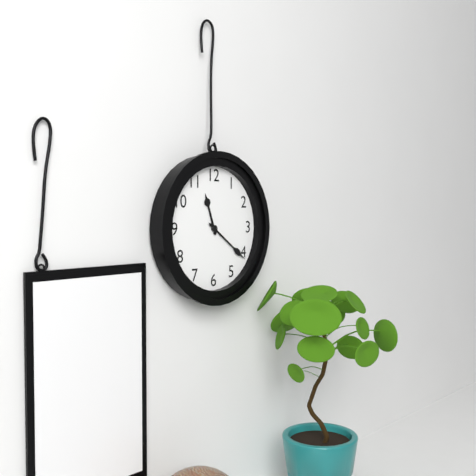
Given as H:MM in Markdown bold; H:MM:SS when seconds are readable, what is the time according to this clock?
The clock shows **11:21**
